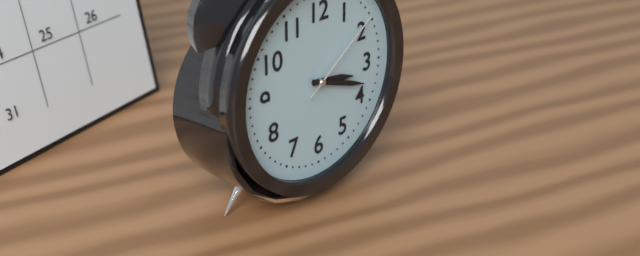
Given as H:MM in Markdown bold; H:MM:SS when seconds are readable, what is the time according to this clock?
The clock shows **3:18:09**
